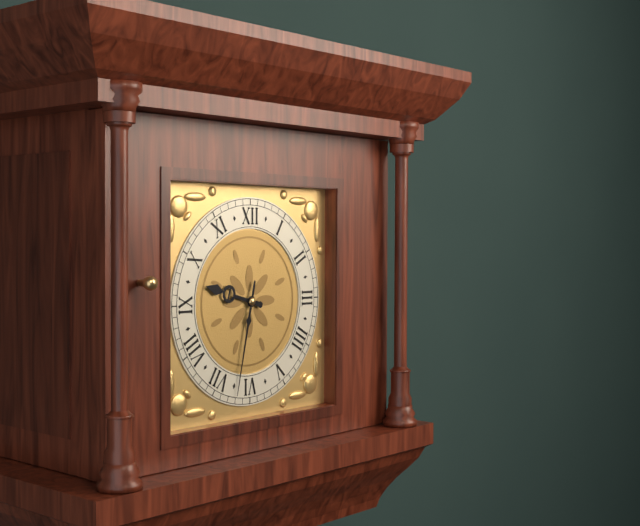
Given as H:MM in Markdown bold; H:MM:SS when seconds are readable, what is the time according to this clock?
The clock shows **9:32**
